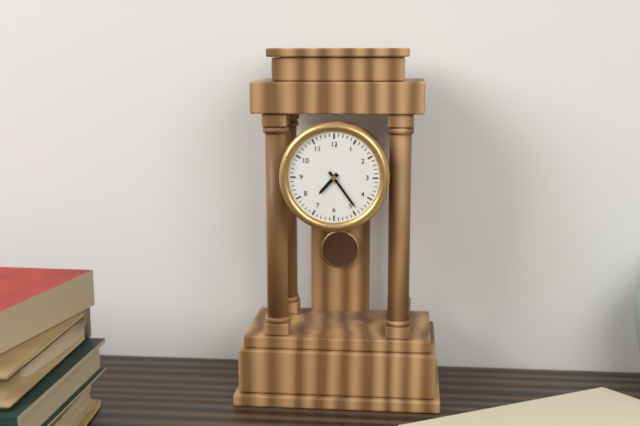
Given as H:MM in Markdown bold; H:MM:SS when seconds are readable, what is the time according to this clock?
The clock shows **7:24**
